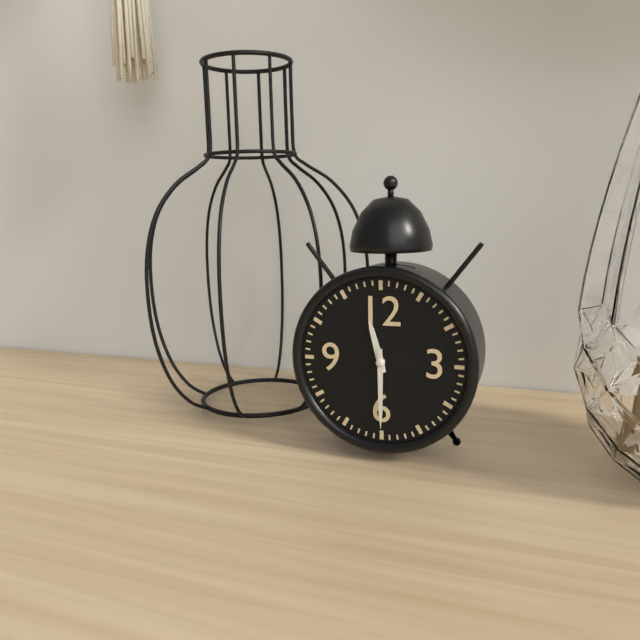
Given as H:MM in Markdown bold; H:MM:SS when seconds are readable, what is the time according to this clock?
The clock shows **11:30**
